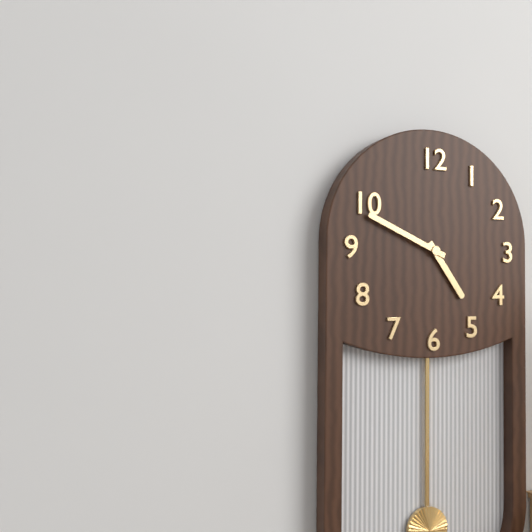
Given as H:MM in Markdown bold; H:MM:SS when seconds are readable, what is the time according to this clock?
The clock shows **4:49**
